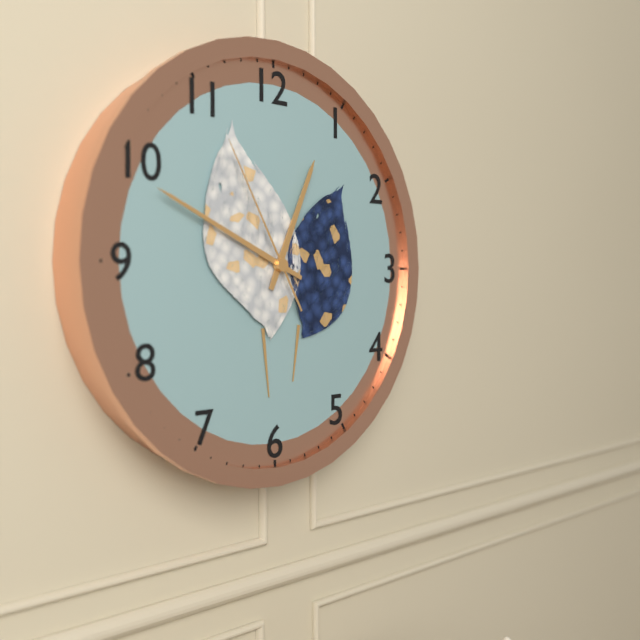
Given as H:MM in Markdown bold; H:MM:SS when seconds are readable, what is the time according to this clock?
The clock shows **12:49:55**
